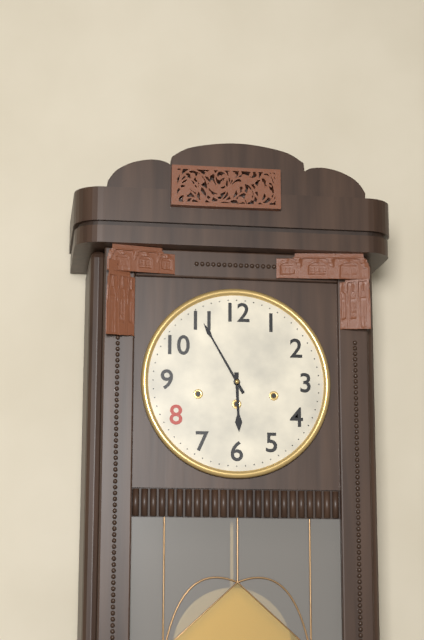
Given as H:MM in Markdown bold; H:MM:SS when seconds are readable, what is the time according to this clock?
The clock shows **5:55**
